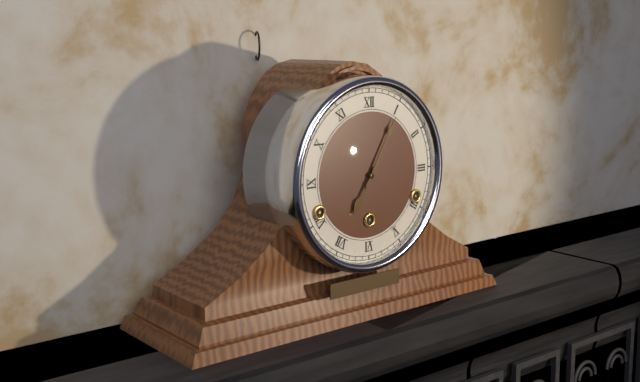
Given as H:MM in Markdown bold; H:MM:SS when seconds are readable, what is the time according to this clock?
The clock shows **7:05**
